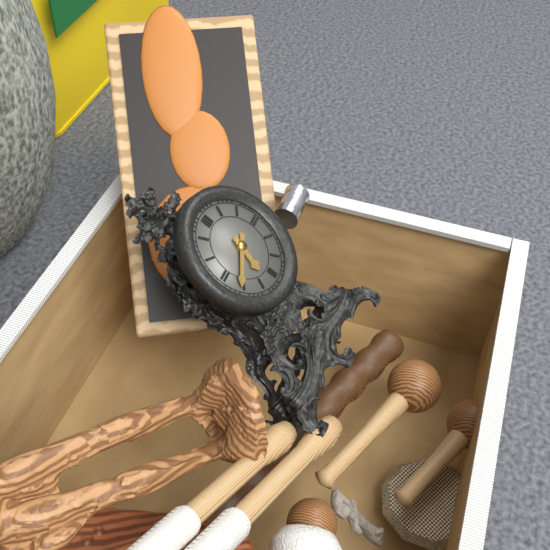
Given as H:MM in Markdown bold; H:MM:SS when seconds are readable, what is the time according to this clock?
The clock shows **6:41**
